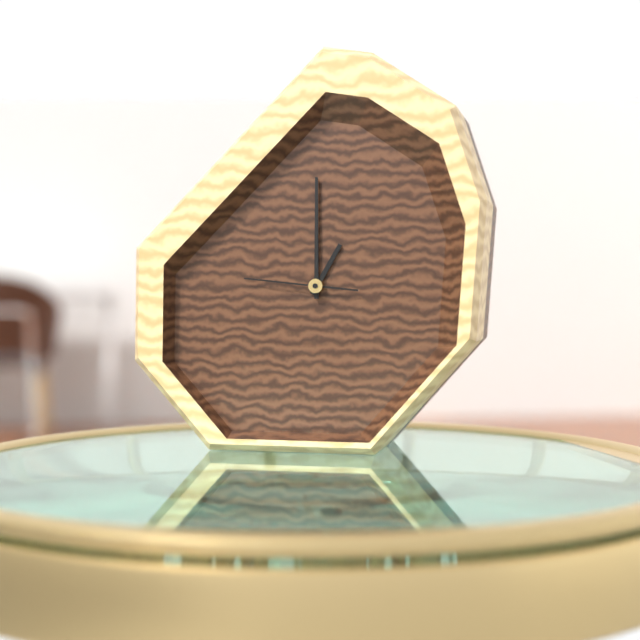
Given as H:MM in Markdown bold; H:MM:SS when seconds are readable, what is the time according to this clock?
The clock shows **1:00:46**
